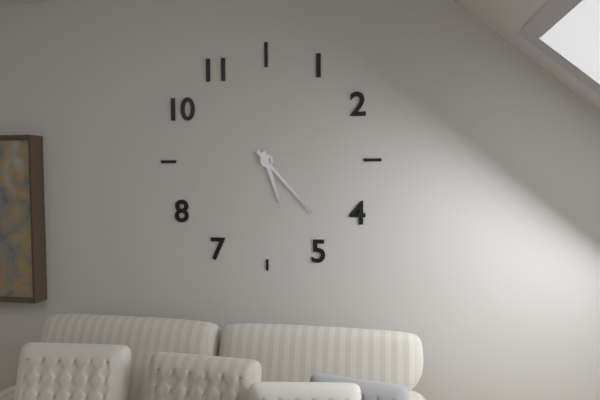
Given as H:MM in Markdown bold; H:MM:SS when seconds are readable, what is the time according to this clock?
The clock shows **5:23**
